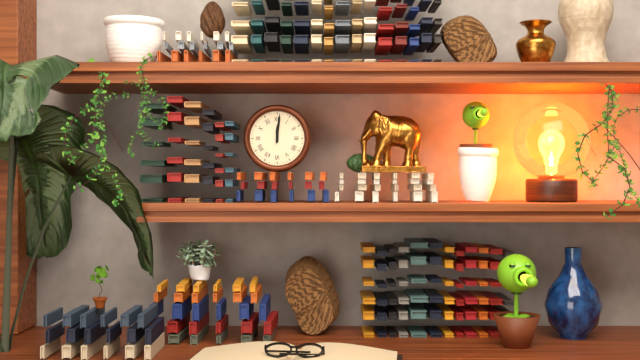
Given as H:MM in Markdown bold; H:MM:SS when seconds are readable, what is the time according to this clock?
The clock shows **12:01**
